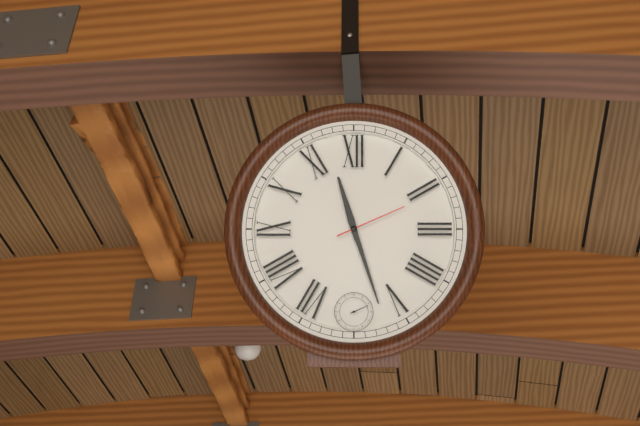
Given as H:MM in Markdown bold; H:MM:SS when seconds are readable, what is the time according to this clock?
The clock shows **11:27:11**
